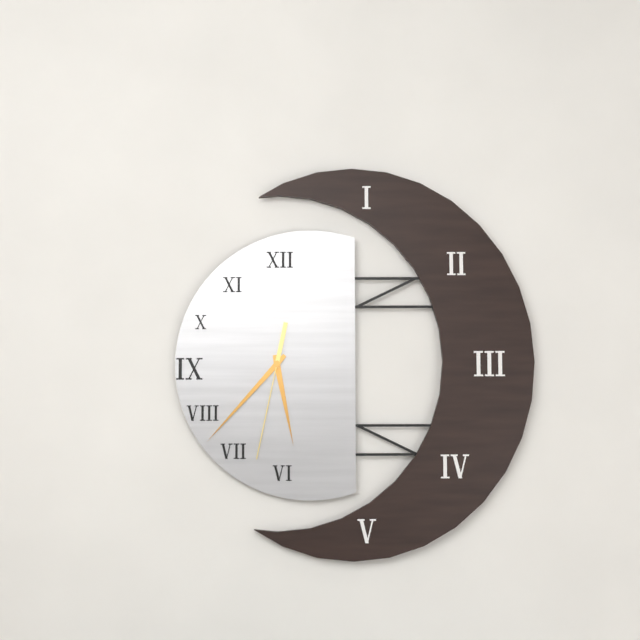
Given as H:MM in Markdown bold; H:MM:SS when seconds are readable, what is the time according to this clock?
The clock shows **5:37:32**
